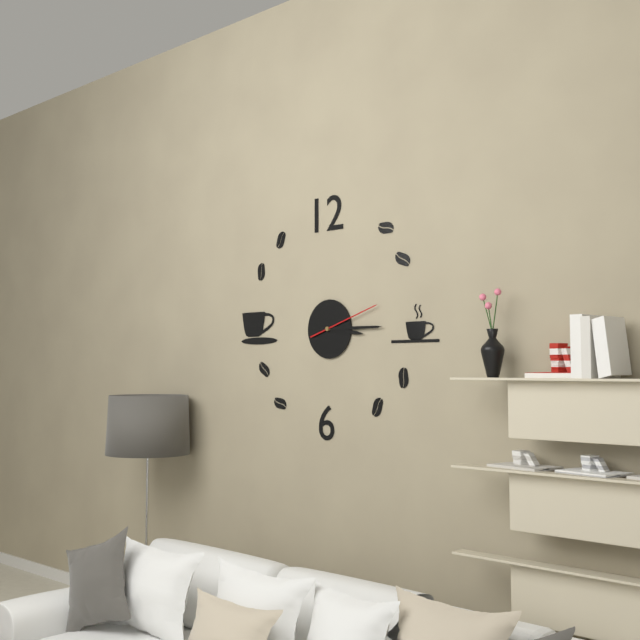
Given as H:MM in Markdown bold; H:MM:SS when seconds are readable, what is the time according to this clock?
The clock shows **3:15:12**
